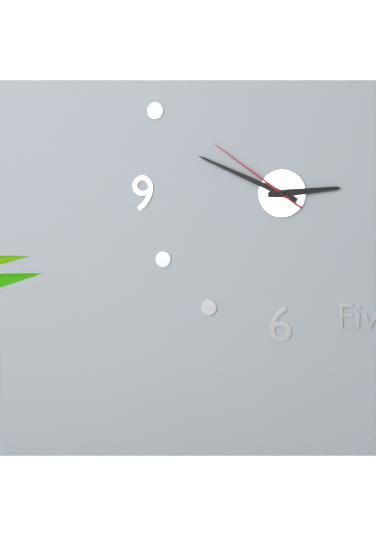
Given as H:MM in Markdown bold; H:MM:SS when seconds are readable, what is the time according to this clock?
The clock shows **2:49:51**
